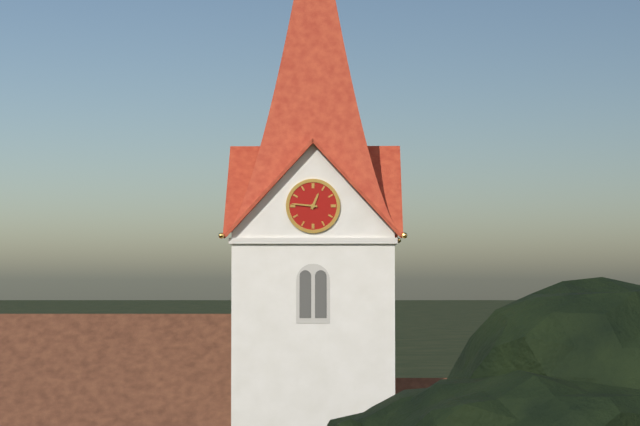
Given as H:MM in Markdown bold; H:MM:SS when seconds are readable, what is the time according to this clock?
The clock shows **12:46**
